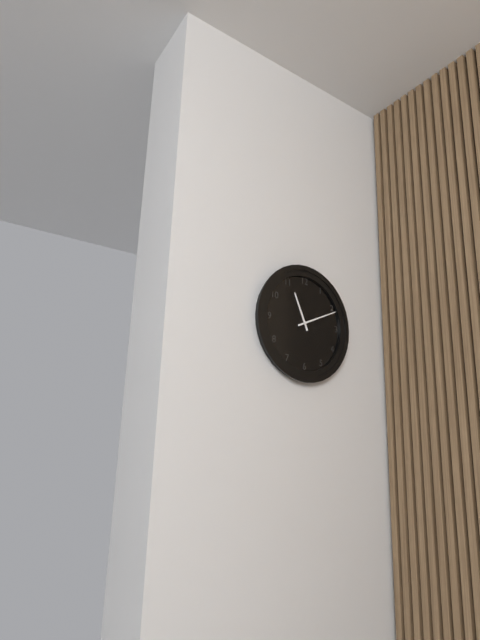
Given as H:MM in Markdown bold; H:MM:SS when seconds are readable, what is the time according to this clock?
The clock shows **11:11**
